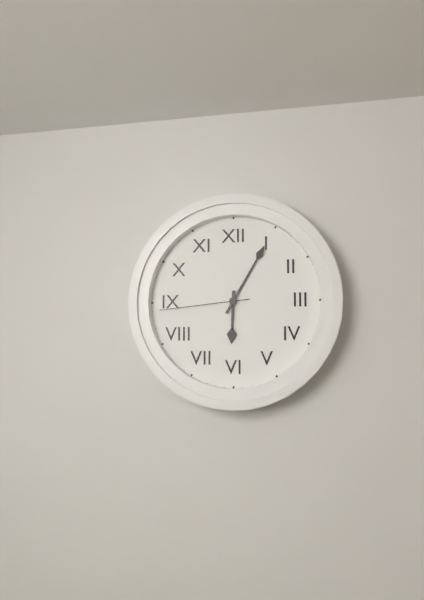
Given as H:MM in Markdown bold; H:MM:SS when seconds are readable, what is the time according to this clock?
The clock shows **6:05:44**
